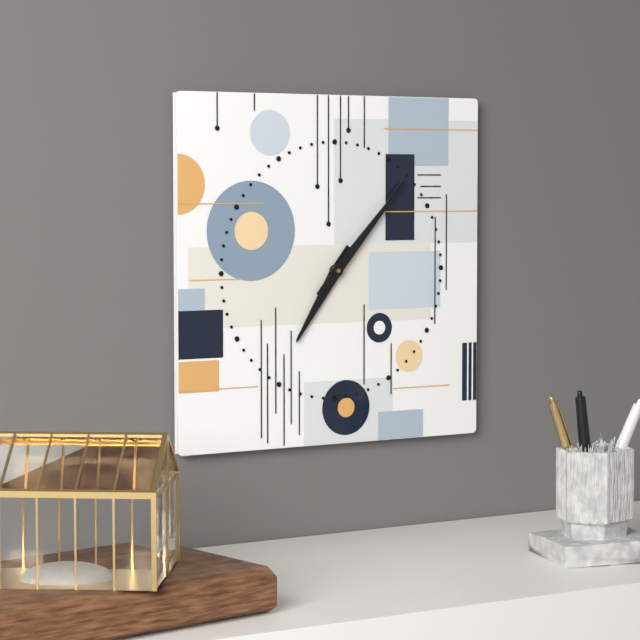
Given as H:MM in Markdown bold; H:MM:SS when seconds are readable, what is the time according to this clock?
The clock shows **7:07**
